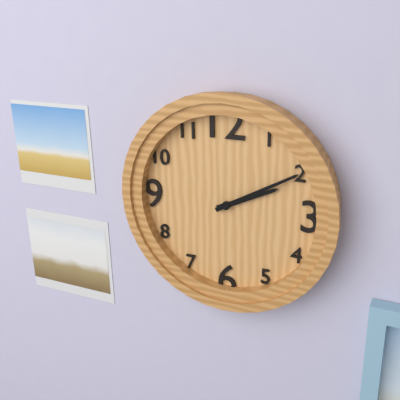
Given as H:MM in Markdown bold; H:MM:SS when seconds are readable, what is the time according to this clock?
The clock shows **2:10**
